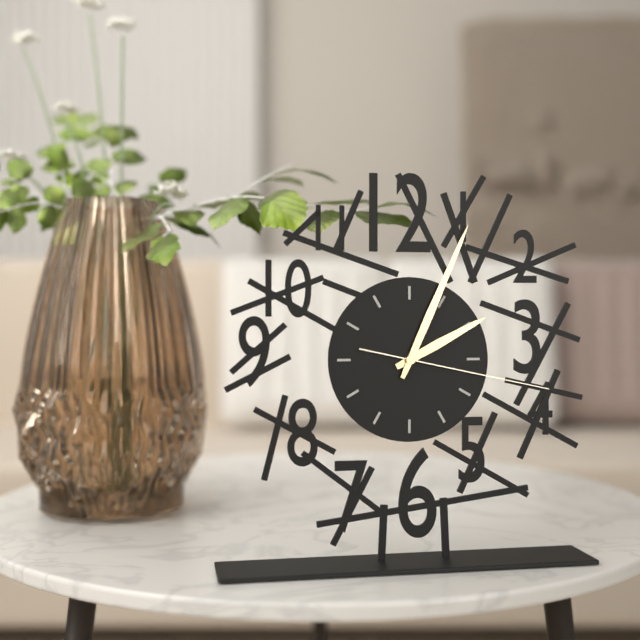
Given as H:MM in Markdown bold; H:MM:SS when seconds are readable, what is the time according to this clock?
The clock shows **2:04:17**
